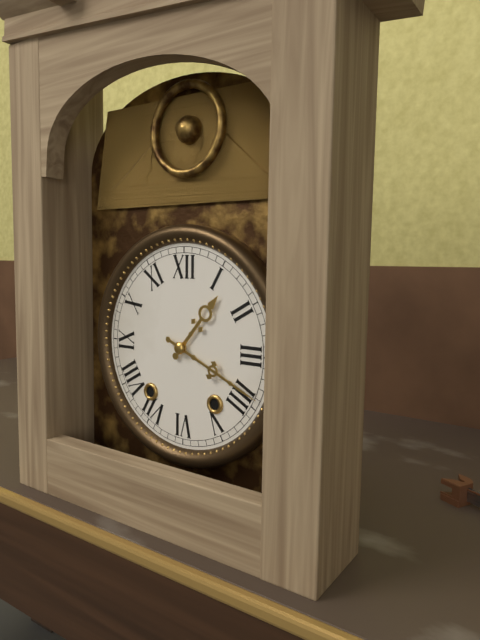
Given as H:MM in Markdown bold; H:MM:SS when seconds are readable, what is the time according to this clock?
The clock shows **1:19**
